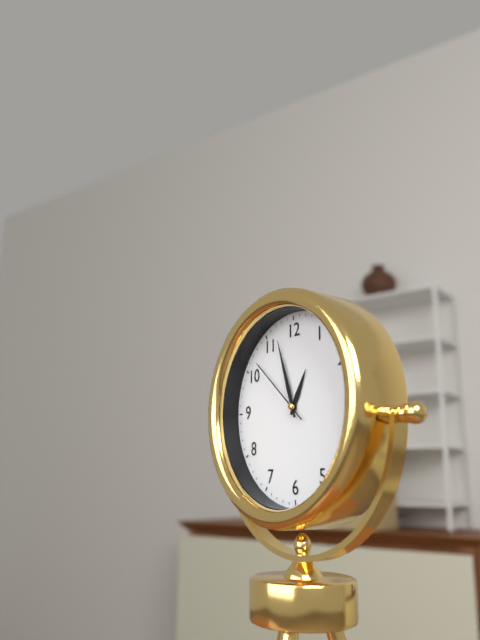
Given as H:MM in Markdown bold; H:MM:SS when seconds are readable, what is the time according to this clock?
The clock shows **12:57:52**
